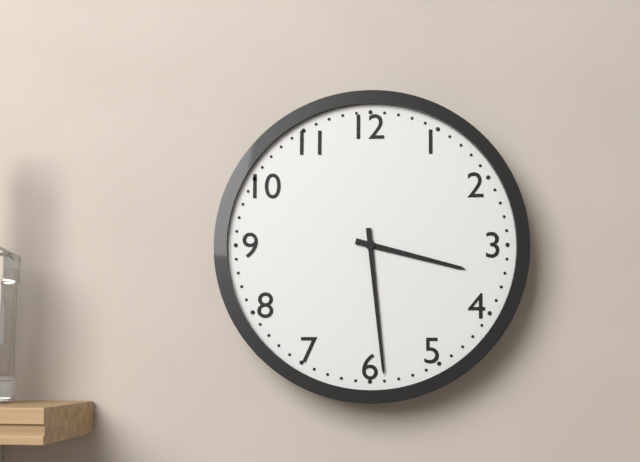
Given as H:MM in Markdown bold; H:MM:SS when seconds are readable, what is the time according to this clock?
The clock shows **3:29**
